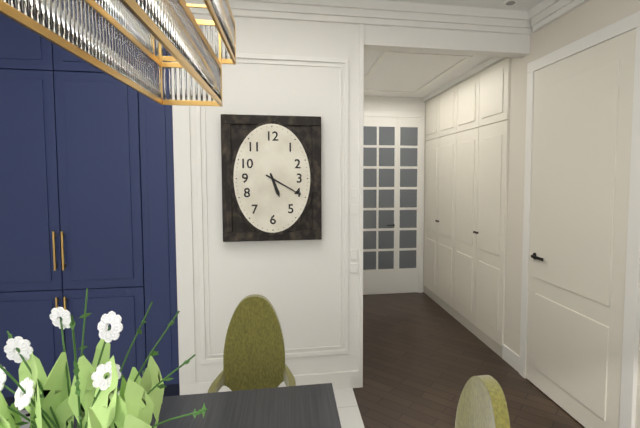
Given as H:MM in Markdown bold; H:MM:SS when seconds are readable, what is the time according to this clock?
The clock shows **5:20**
